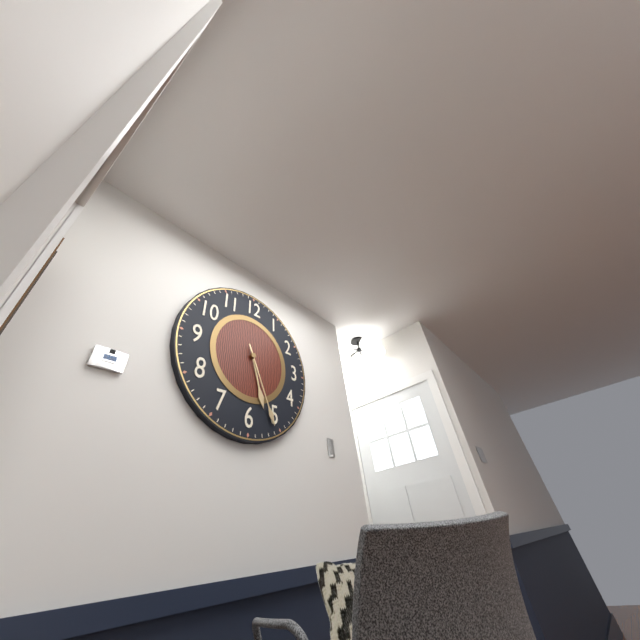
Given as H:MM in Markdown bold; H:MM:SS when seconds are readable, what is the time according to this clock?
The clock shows **5:26**
